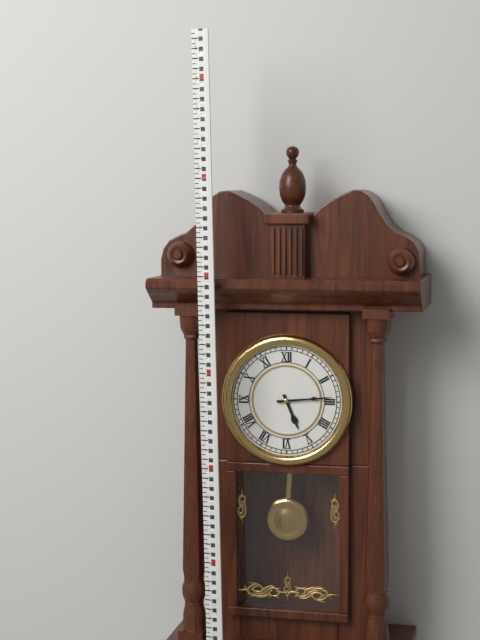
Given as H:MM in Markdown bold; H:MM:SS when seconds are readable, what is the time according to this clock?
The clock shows **5:14**
